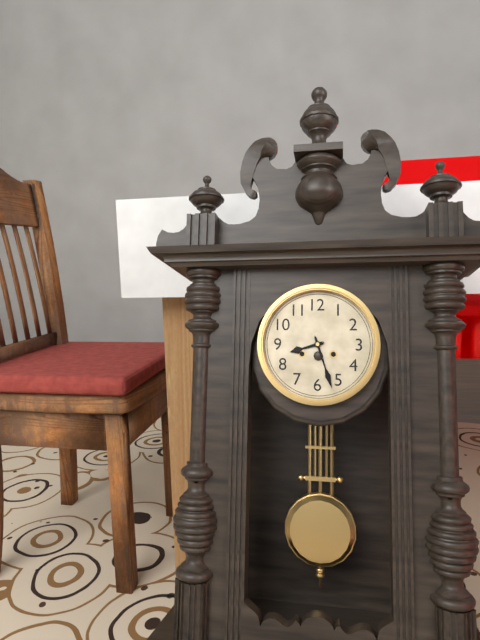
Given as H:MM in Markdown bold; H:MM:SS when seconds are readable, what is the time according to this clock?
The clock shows **8:27**
